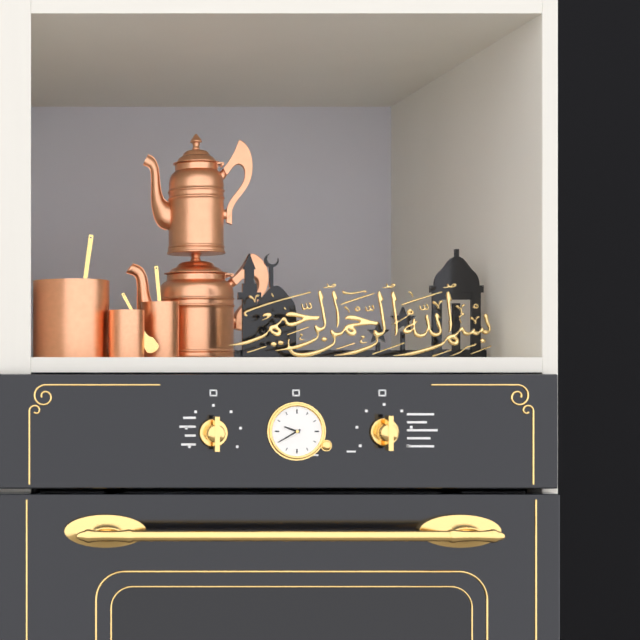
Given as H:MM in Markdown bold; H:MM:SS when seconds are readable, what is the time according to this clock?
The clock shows **9:40**
